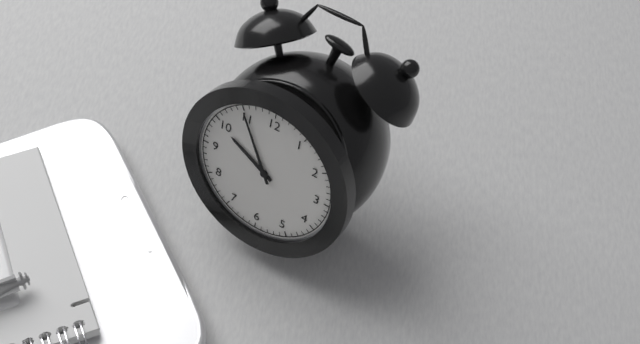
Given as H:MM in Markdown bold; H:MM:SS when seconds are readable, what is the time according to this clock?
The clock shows **9:55**
